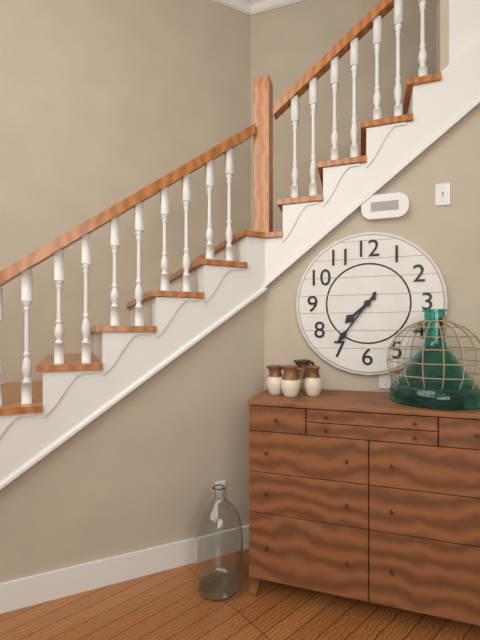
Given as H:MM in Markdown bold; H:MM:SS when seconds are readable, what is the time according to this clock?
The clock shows **7:36**
